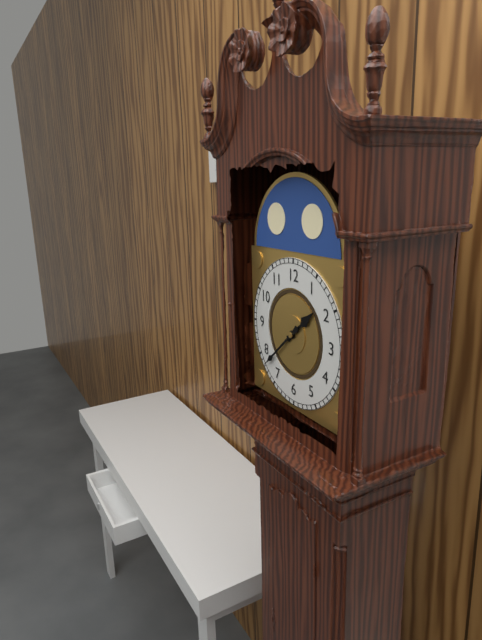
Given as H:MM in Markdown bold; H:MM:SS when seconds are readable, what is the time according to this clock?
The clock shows **1:38**
